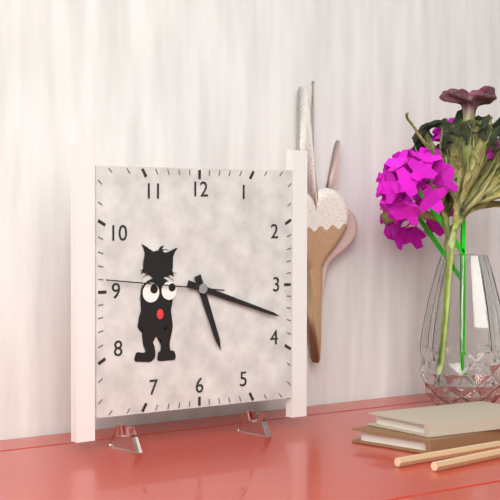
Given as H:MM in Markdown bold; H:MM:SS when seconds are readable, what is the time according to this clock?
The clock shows **5:18:46**
